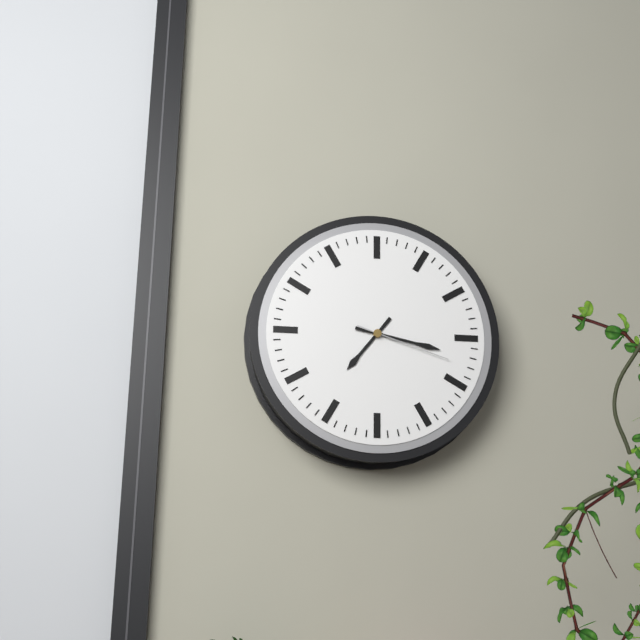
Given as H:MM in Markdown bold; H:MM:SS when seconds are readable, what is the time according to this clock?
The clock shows **7:17:18**
